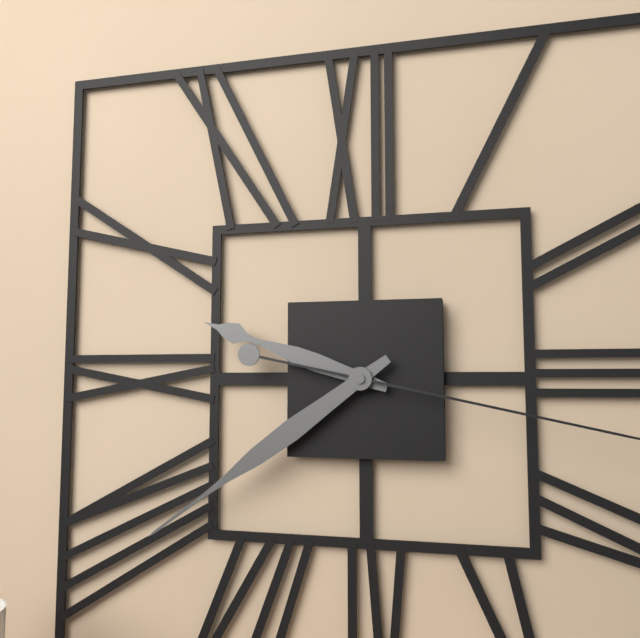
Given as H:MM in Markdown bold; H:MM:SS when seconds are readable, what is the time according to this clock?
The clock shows **9:39**
